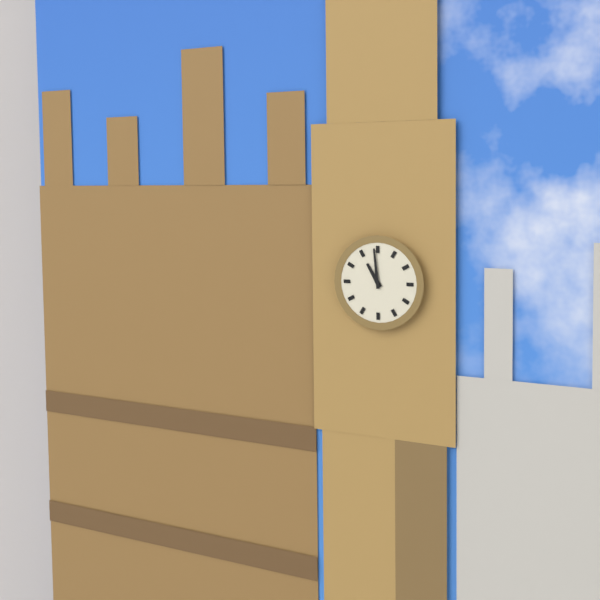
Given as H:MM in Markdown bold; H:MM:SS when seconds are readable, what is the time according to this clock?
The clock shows **10:59**
